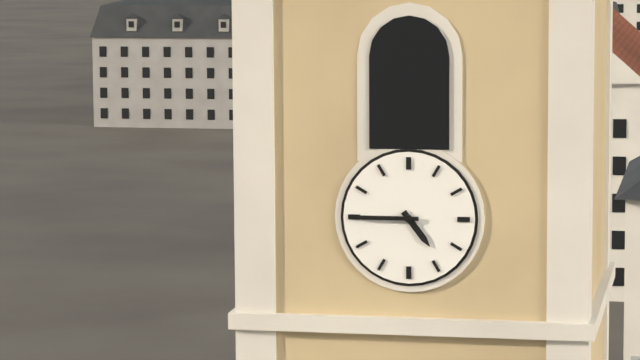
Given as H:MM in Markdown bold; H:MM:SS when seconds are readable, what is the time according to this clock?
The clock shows **4:45**
